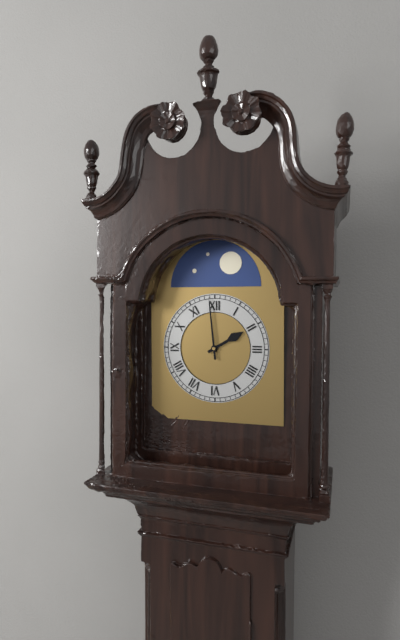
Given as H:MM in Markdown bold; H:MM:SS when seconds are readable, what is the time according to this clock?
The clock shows **1:59**
